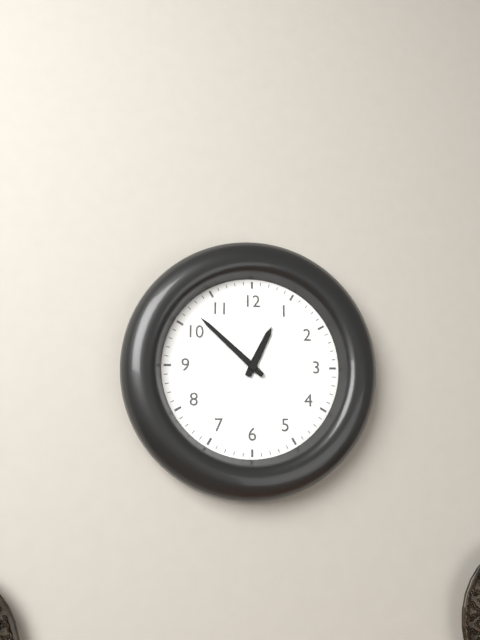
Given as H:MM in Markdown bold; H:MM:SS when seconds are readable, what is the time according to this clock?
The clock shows **12:52**
